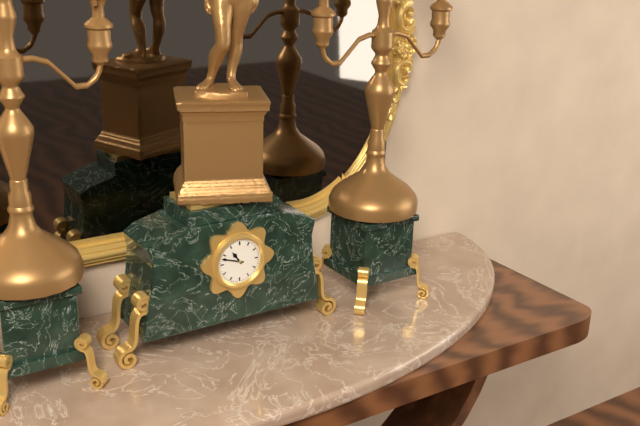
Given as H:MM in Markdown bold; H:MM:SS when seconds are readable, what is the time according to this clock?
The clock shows **10:48**
